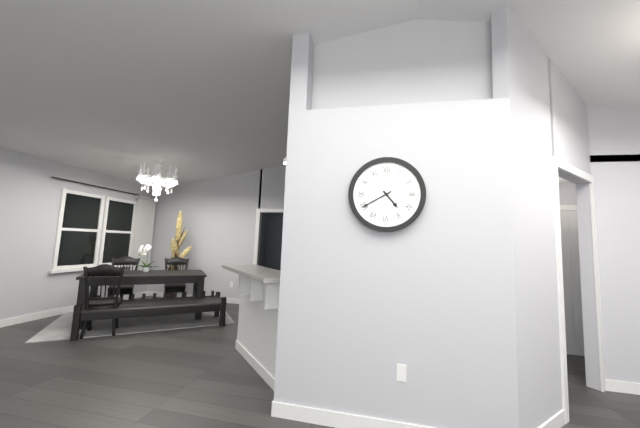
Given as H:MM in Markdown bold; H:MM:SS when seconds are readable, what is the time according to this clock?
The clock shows **4:40**
